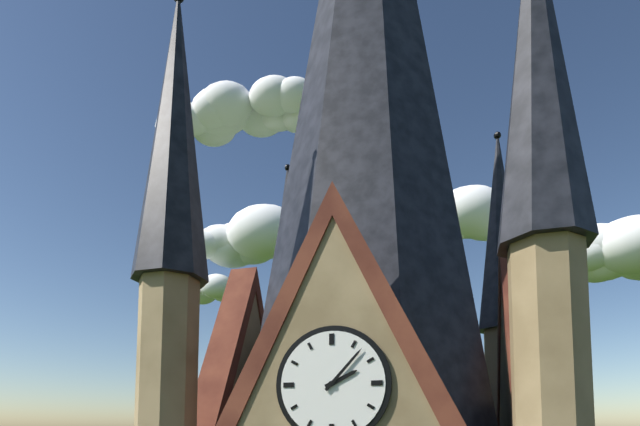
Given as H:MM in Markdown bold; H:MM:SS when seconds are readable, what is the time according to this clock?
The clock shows **2:07**
